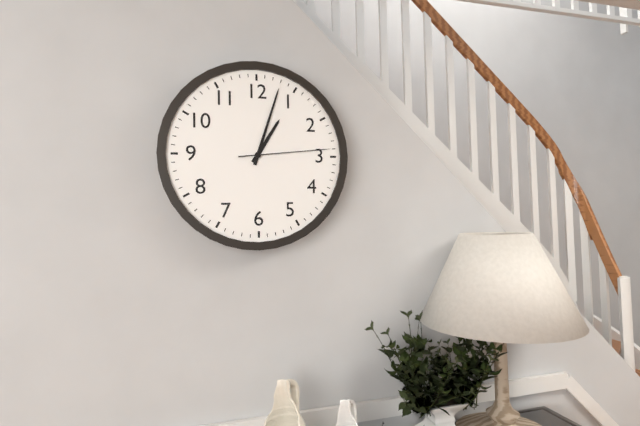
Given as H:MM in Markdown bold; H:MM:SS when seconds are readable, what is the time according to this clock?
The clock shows **1:03:14**
